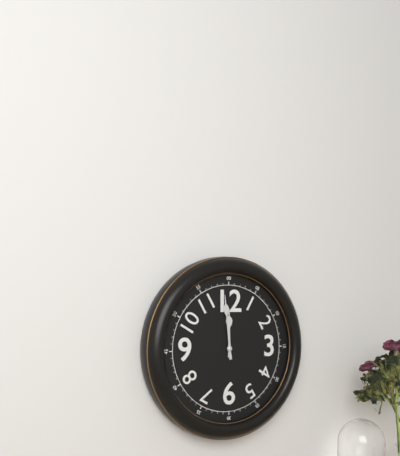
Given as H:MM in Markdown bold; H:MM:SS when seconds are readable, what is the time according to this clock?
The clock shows **11:59**
